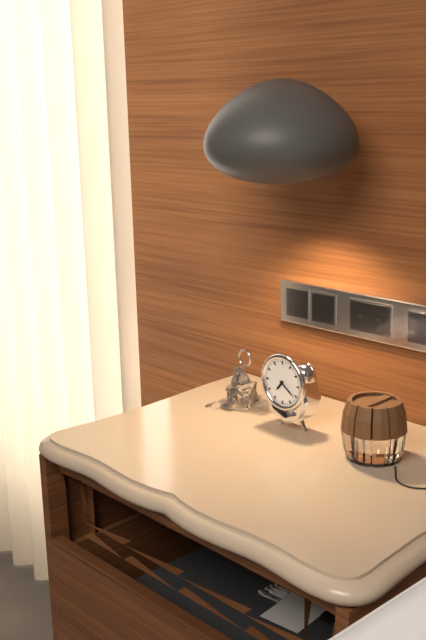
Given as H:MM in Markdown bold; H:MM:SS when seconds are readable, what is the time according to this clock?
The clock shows **7:21**
